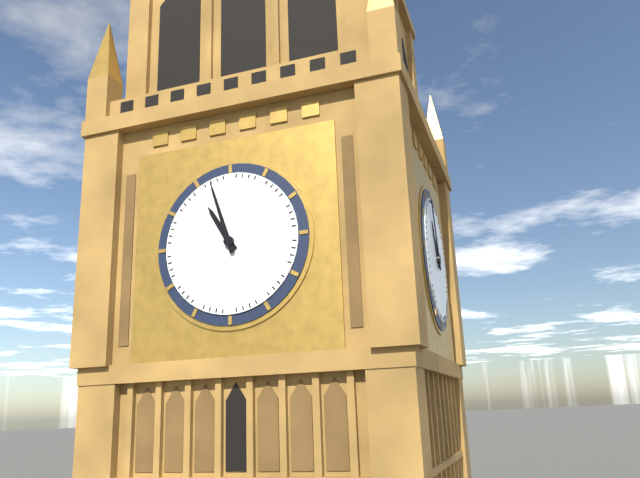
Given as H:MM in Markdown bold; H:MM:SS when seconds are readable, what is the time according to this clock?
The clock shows **10:57**
